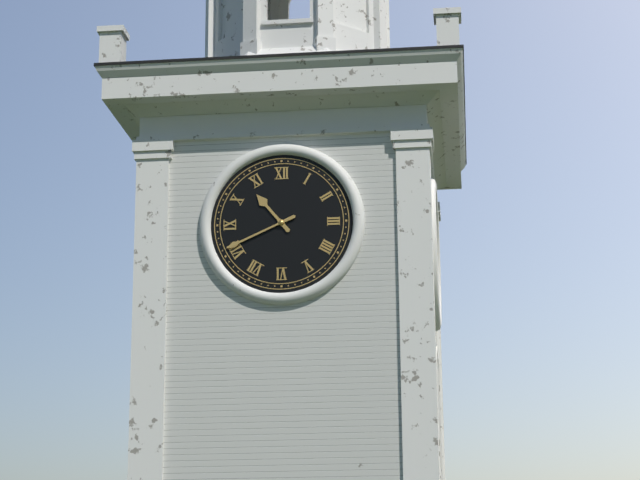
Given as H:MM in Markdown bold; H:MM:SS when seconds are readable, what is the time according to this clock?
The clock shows **10:41**
